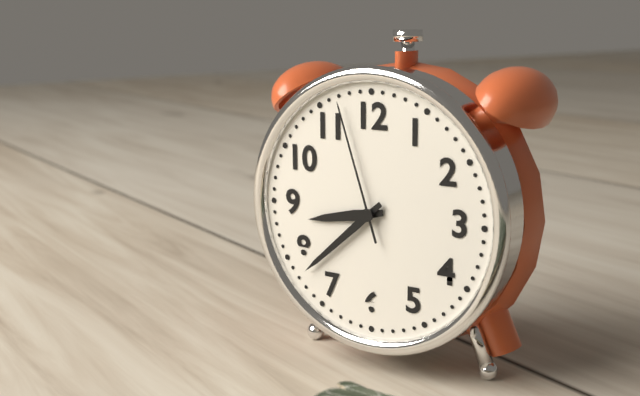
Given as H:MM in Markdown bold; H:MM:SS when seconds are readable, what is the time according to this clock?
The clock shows **8:38:57**
